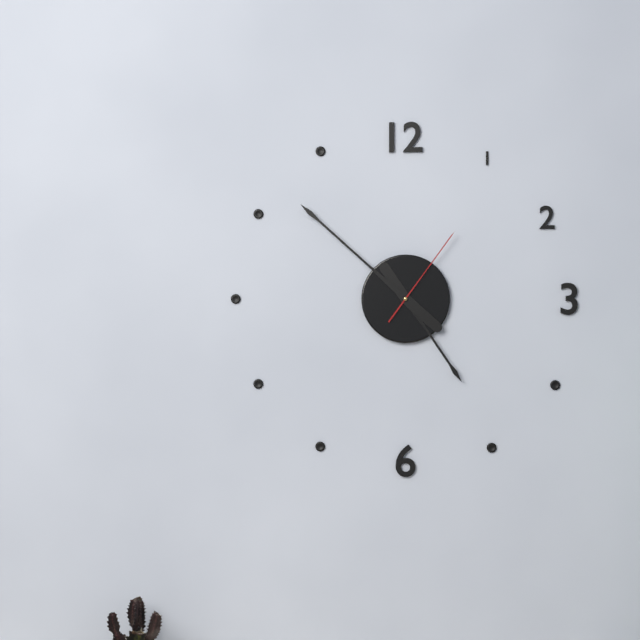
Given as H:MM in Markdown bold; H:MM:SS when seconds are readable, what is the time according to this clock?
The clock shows **4:52:06**
